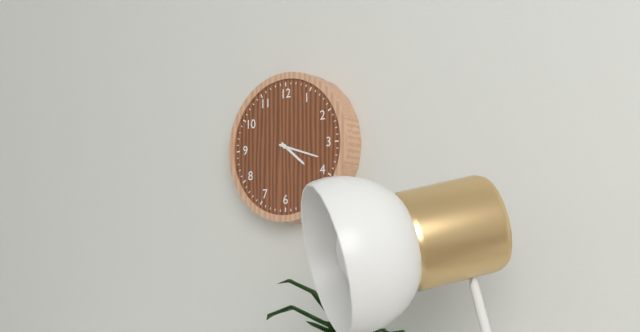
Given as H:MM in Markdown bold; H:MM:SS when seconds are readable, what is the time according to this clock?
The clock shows **4:18**
